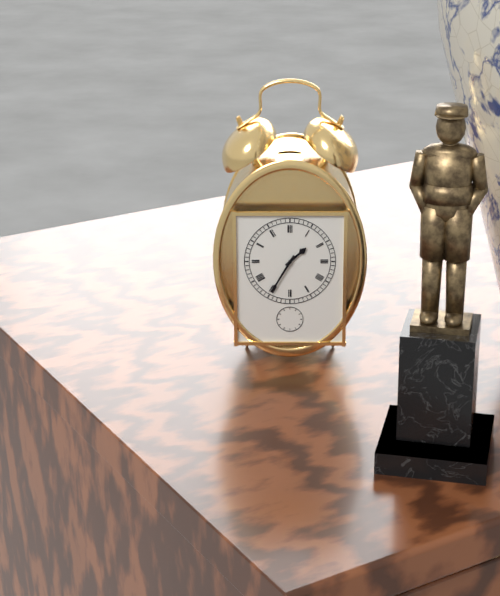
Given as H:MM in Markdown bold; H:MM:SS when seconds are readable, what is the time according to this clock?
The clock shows **1:35**
